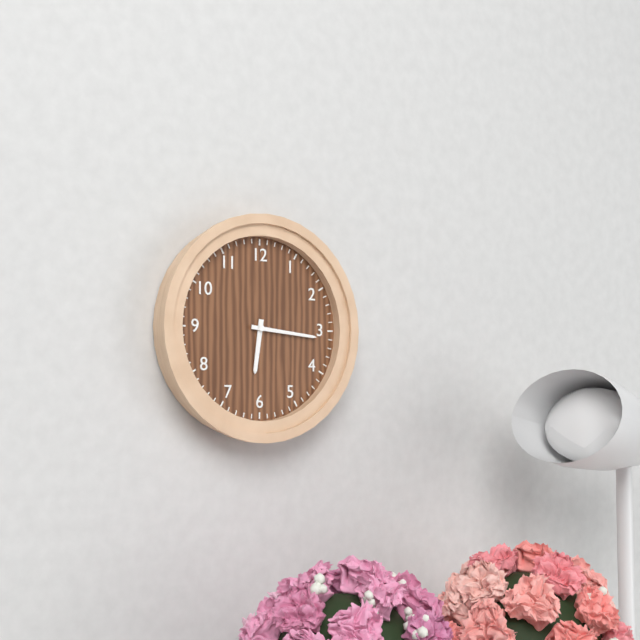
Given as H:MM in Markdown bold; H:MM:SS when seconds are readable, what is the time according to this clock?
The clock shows **6:16**
